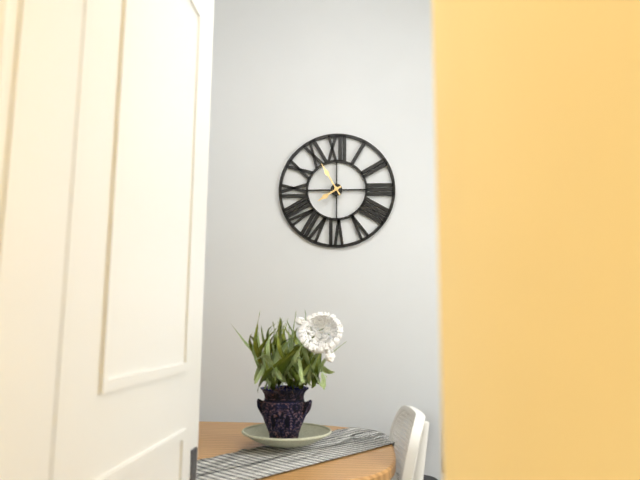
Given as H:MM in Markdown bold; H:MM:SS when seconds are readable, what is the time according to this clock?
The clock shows **7:55**
